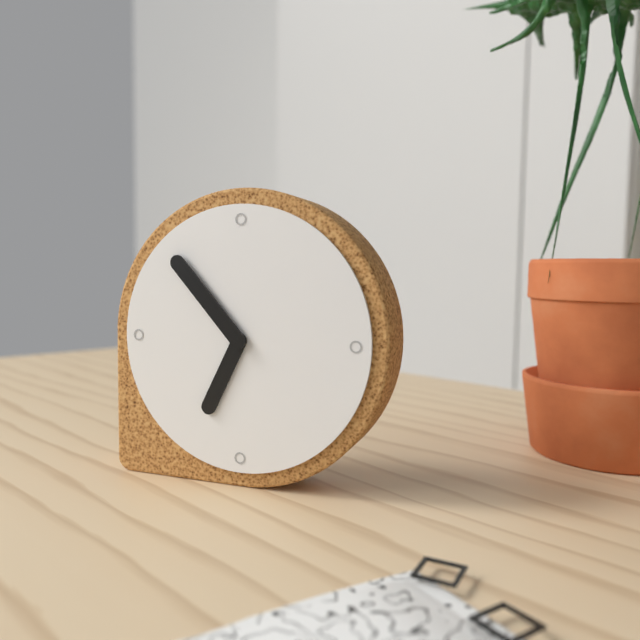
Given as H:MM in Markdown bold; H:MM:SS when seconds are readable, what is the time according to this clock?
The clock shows **6:53**
